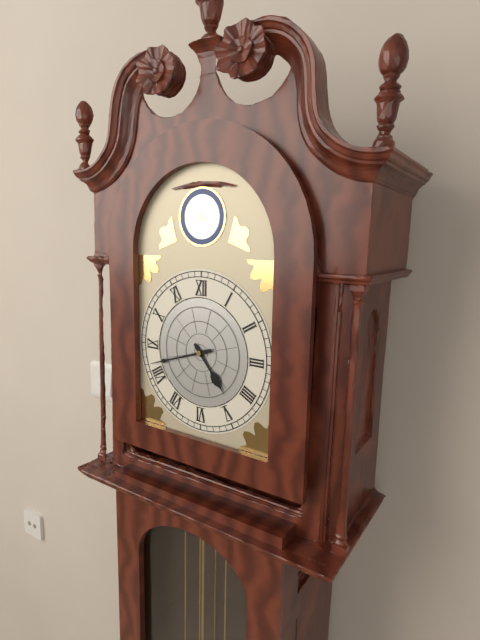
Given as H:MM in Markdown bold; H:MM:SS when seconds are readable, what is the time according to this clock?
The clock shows **4:42**
